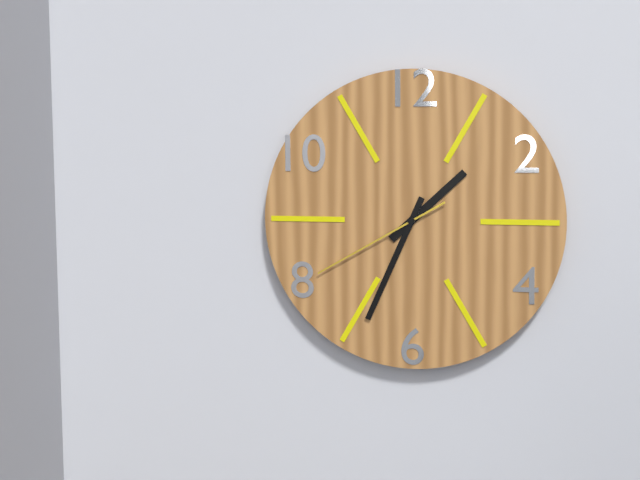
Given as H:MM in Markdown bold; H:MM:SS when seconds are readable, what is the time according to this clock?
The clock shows **1:34:40**
